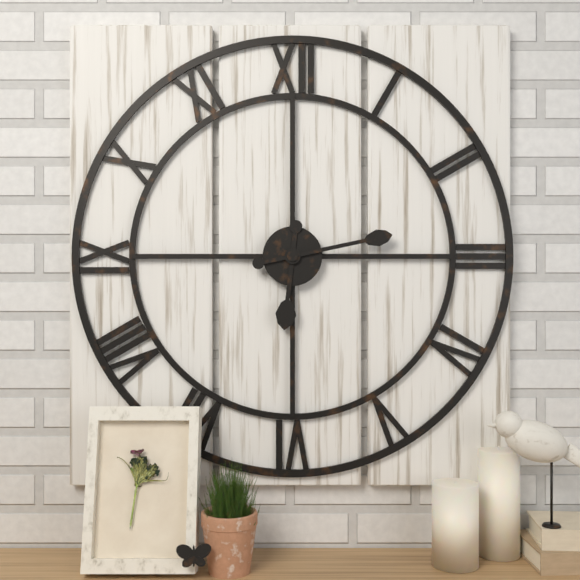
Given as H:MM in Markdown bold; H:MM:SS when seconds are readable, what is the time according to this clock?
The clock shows **6:13**
